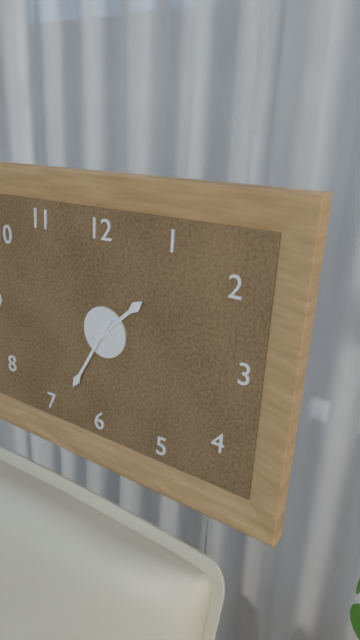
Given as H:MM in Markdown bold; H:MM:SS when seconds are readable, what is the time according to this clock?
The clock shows **1:35**
